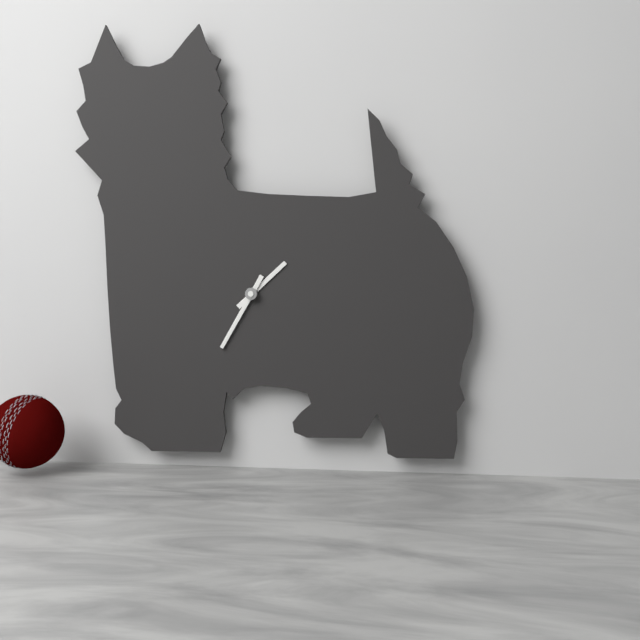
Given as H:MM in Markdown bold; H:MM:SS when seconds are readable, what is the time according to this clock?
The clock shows **1:35**
